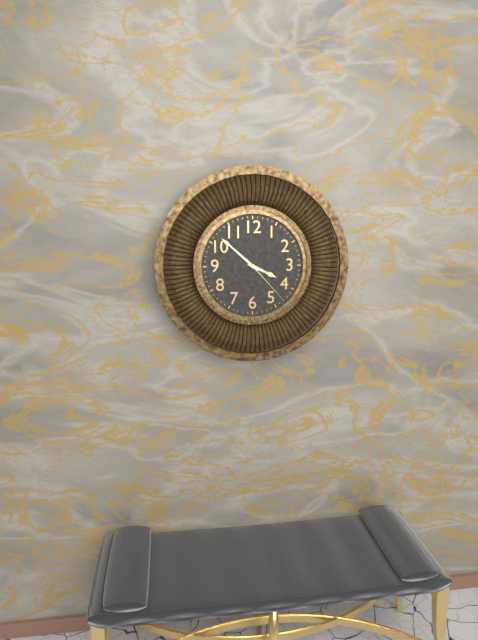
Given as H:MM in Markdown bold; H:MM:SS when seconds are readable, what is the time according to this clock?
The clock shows **3:52:23**
